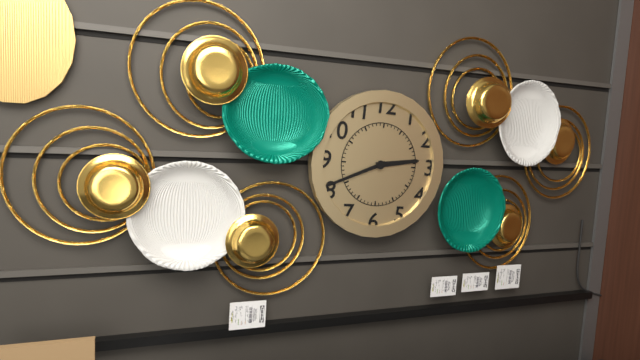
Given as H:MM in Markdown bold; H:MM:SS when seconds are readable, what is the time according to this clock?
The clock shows **2:41**
